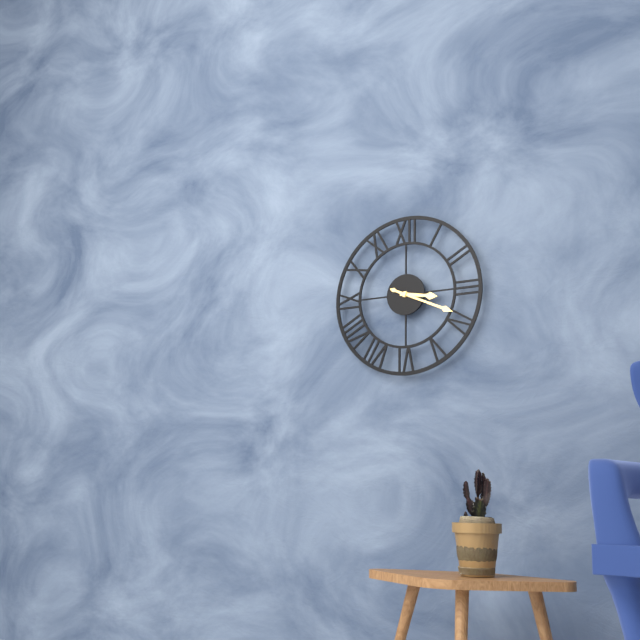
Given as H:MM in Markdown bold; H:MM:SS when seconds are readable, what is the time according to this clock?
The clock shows **3:19**
